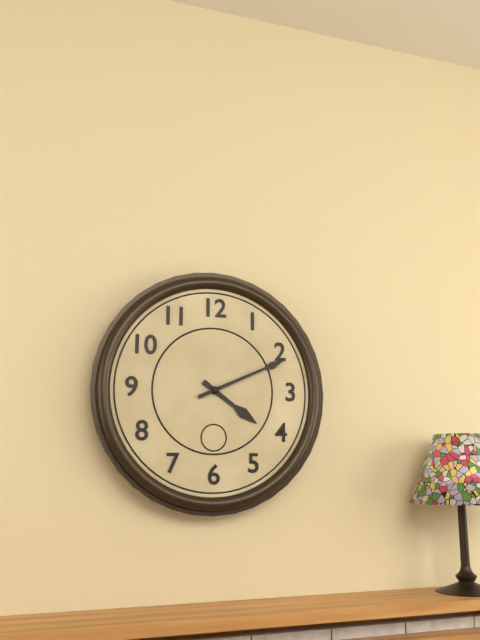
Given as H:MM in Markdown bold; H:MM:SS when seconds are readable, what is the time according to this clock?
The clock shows **4:11**
